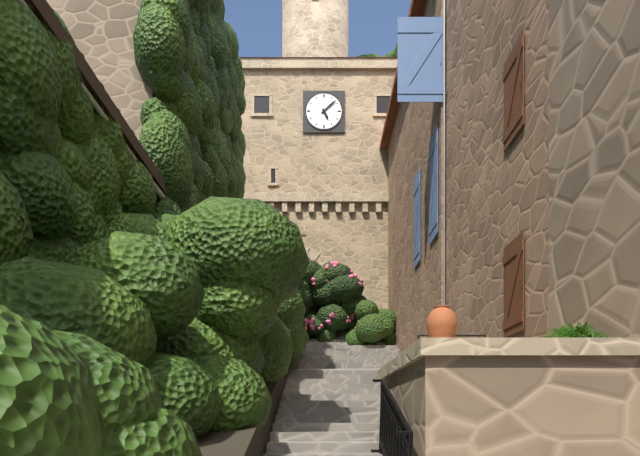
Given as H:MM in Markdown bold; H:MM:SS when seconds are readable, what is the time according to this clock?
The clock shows **5:08**
